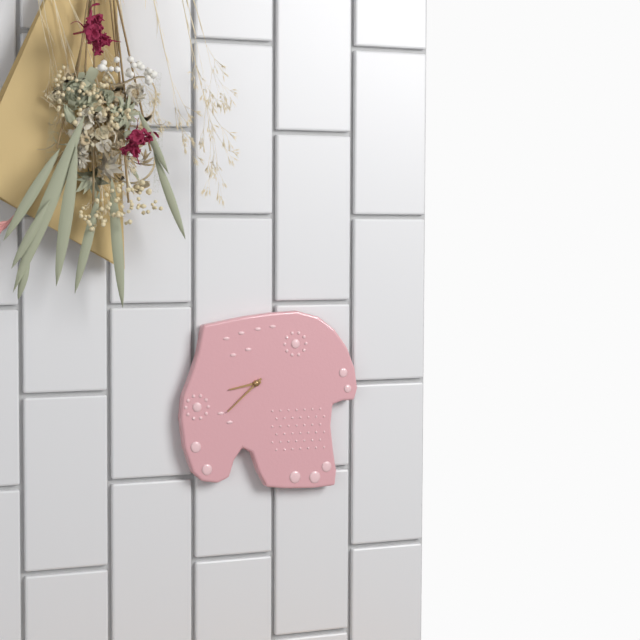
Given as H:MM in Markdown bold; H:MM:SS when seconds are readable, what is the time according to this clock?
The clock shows **8:38**
